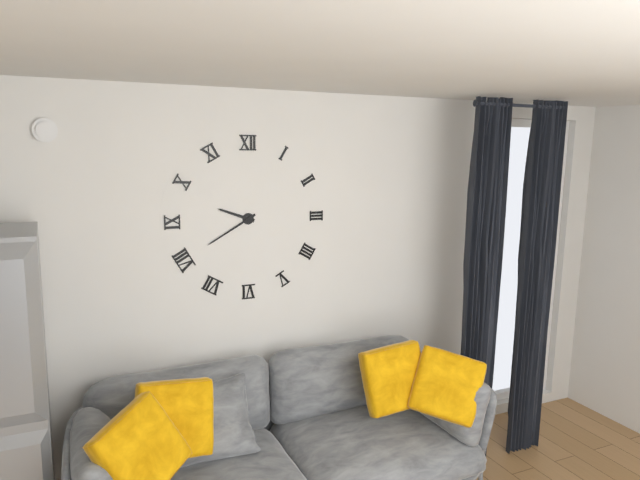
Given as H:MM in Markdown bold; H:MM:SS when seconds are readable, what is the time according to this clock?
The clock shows **9:40**
